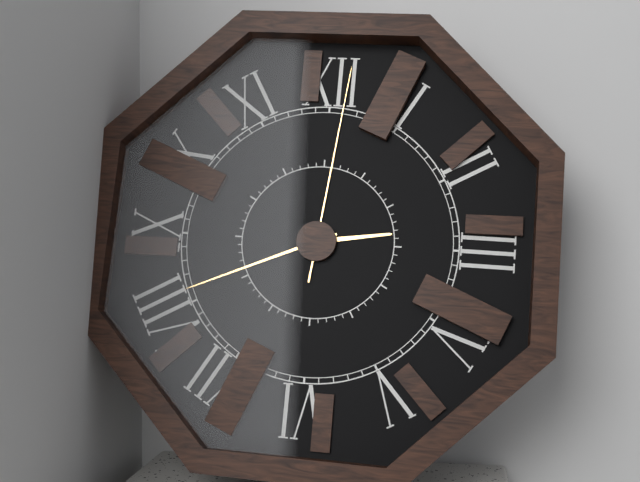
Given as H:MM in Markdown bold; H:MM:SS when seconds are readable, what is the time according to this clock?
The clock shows **2:41:01**
